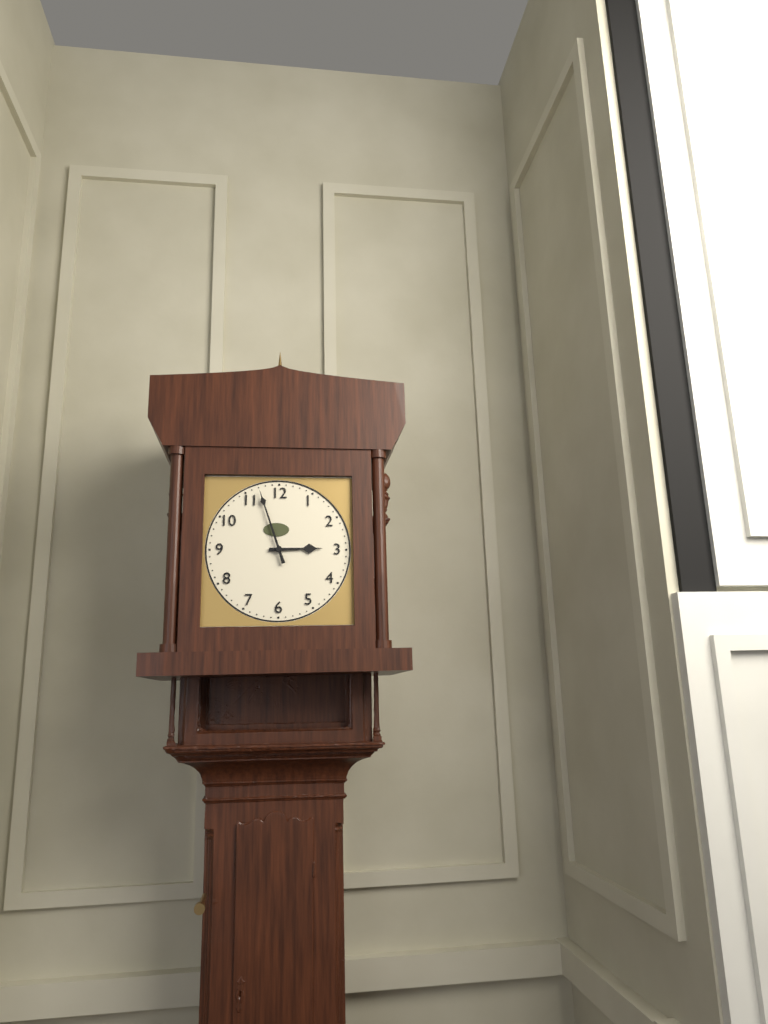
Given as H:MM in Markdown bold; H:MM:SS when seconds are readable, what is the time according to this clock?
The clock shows **2:57**
